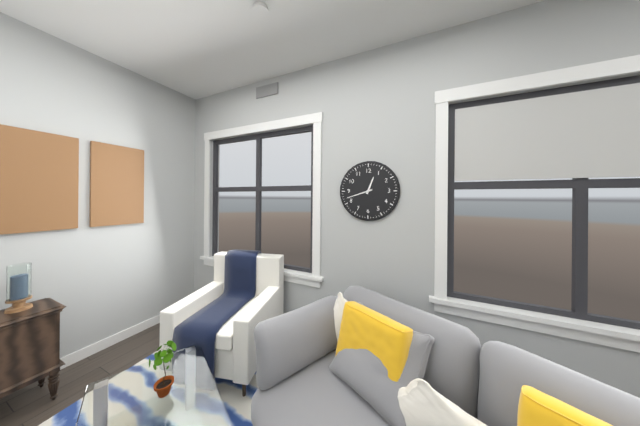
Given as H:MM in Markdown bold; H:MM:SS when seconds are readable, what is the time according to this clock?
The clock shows **12:42**
